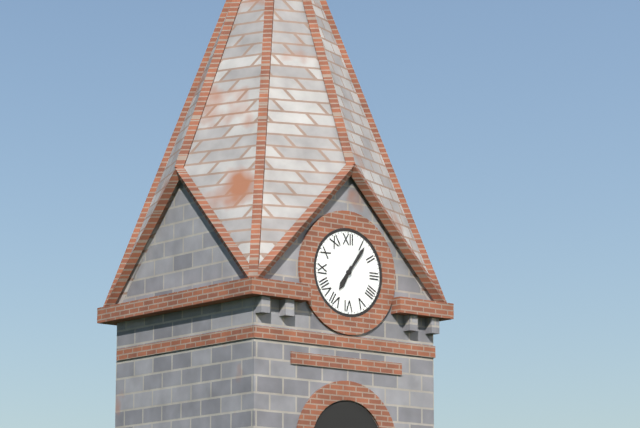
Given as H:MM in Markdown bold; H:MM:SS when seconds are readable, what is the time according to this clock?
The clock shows **7:06**
